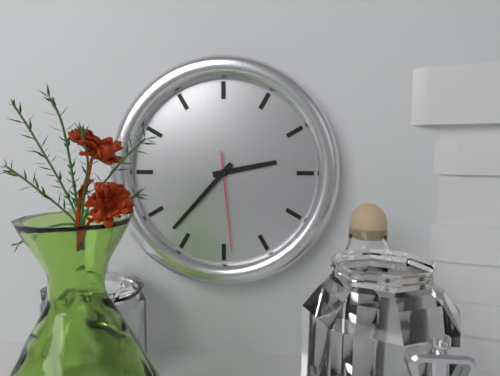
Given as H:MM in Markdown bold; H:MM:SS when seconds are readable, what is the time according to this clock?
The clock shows **2:37:29**
